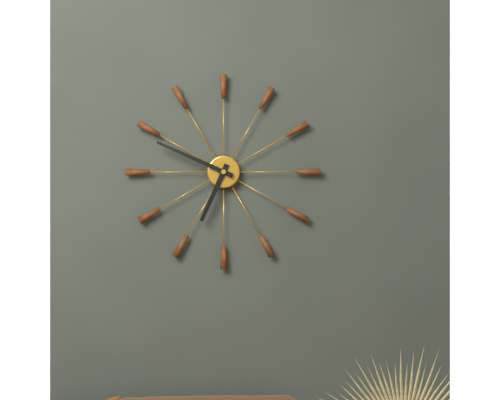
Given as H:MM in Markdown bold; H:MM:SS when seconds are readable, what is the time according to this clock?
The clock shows **6:49**
